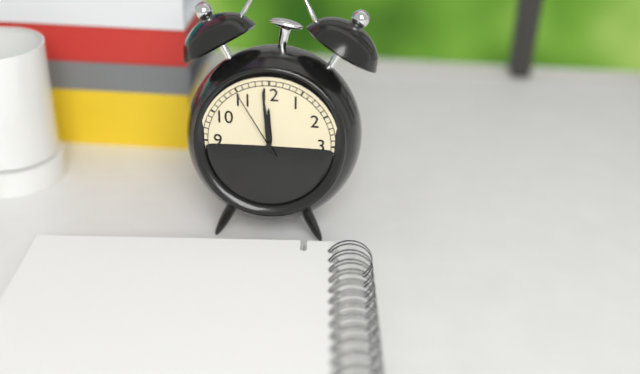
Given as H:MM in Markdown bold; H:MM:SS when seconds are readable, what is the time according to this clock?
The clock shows **11:59:55**
